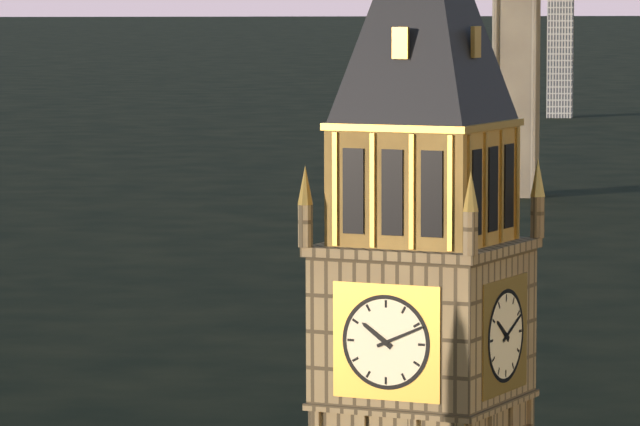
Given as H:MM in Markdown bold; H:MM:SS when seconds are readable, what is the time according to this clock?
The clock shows **10:11**
